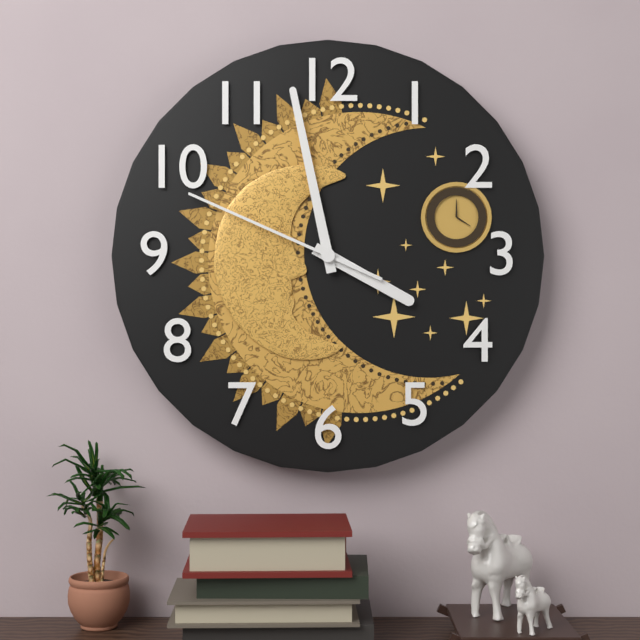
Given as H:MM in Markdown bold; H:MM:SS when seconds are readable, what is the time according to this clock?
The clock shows **3:58:49**
